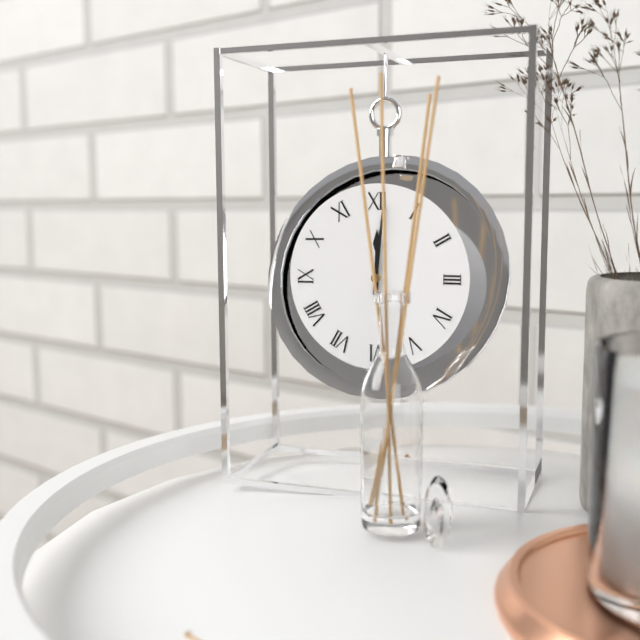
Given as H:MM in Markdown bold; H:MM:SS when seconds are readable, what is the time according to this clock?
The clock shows **12:01**
